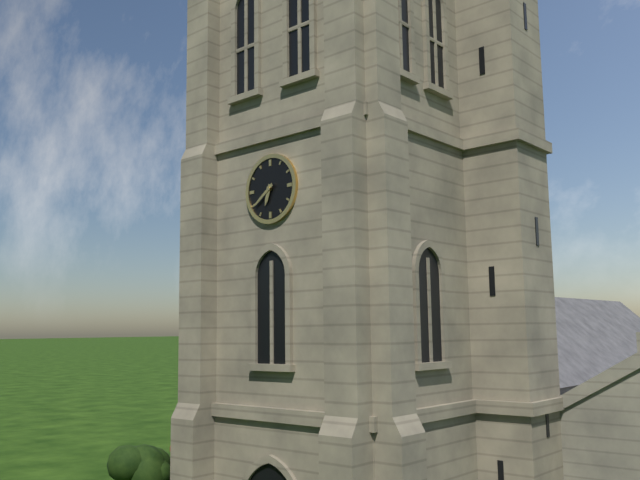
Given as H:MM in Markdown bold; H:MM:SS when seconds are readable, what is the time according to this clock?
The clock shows **6:39**
